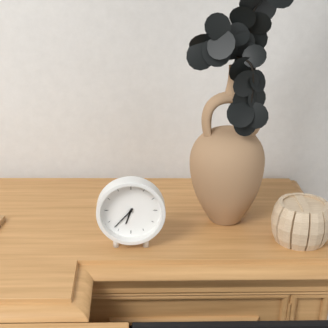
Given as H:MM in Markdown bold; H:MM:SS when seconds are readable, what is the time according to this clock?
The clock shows **6:37**
